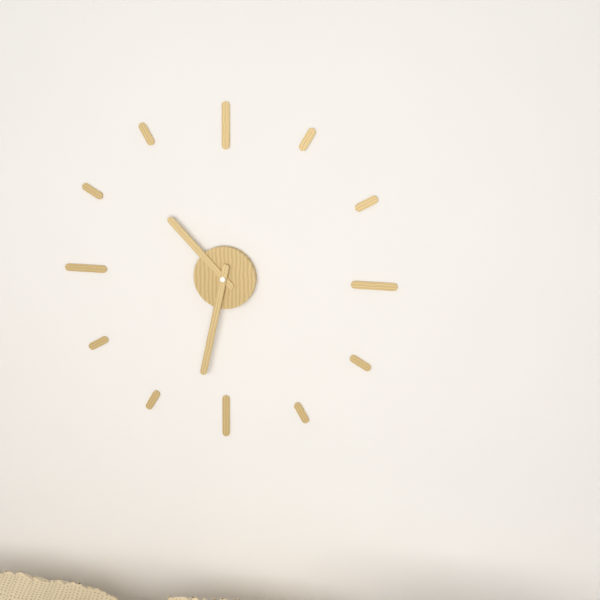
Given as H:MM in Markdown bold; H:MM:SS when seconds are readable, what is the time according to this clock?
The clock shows **10:32**
